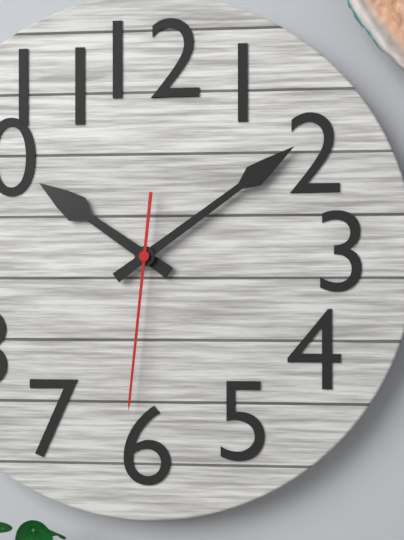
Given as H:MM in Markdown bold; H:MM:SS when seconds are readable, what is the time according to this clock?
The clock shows **10:09:31**
